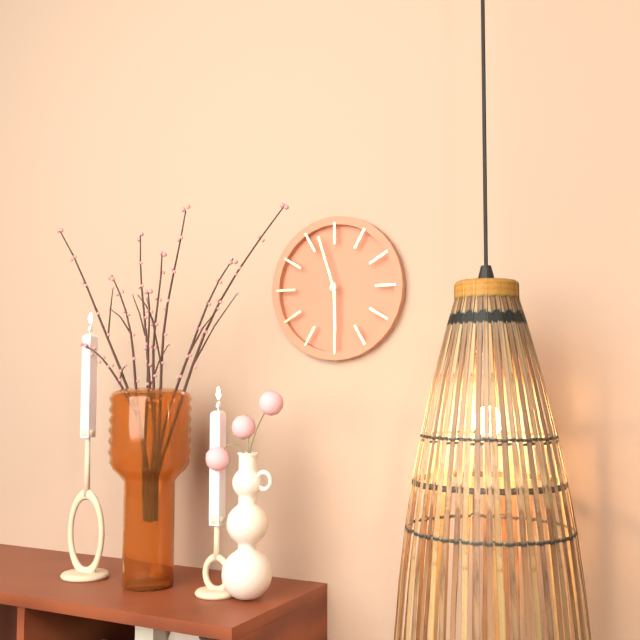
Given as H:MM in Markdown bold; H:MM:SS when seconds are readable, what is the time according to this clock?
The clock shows **5:57**
